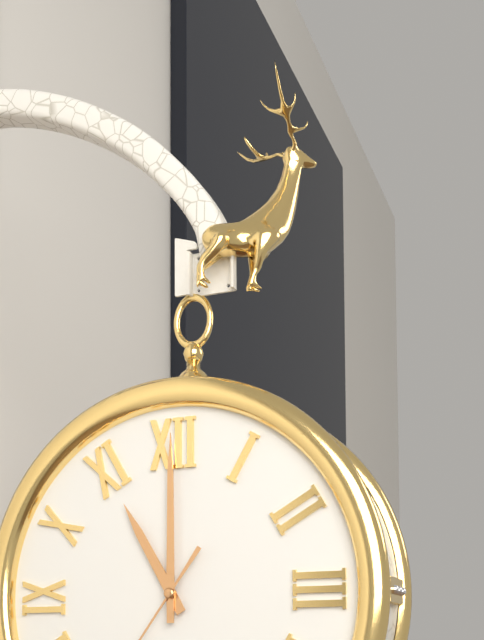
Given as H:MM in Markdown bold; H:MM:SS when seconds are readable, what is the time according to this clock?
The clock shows **11:00**
